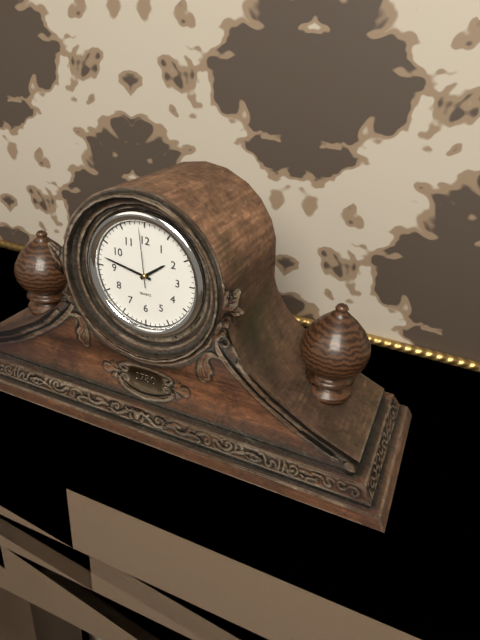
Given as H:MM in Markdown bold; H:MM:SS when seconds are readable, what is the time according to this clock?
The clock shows **1:47:59**
